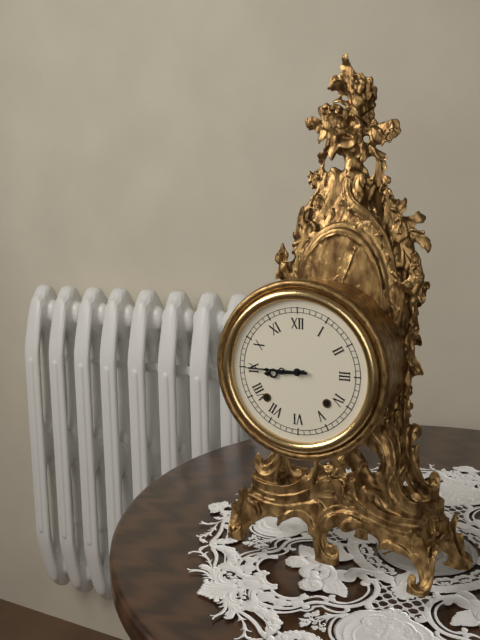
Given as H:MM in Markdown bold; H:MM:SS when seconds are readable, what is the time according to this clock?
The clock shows **8:45**
